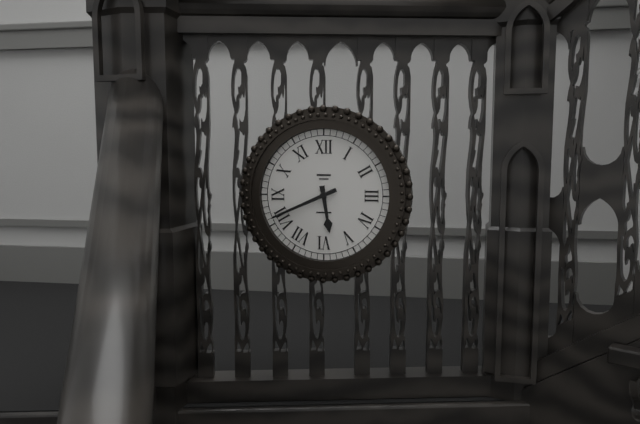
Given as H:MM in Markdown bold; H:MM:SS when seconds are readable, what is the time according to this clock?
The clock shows **5:41**
